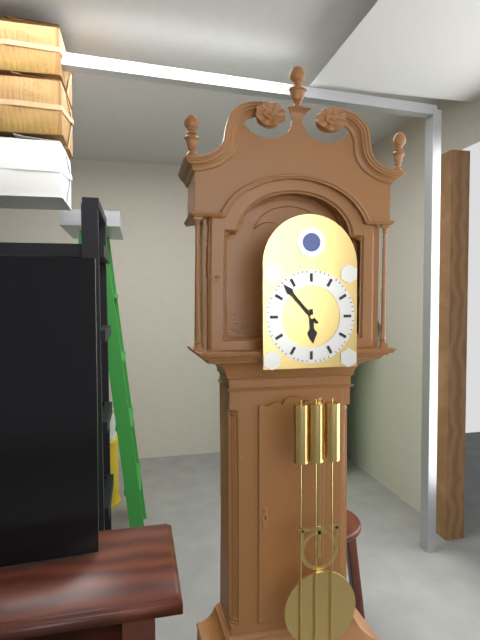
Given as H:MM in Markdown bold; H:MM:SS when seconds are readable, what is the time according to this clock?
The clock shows **5:53**
